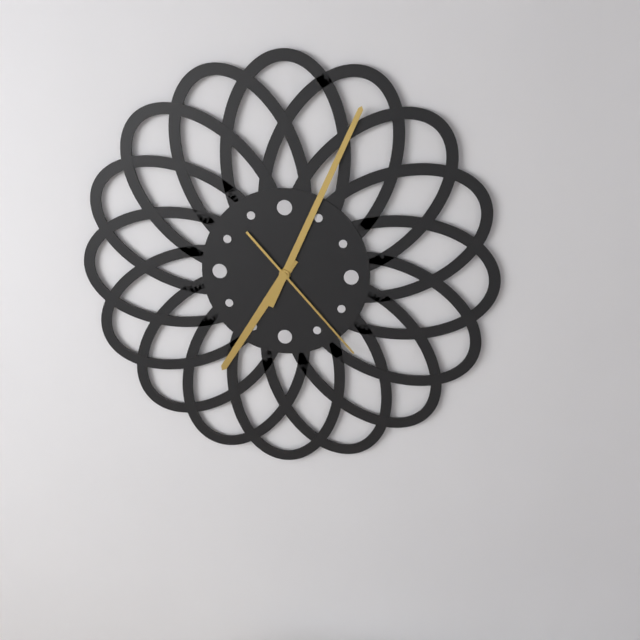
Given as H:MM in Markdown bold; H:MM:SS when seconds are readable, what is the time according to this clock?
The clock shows **7:04:23**
